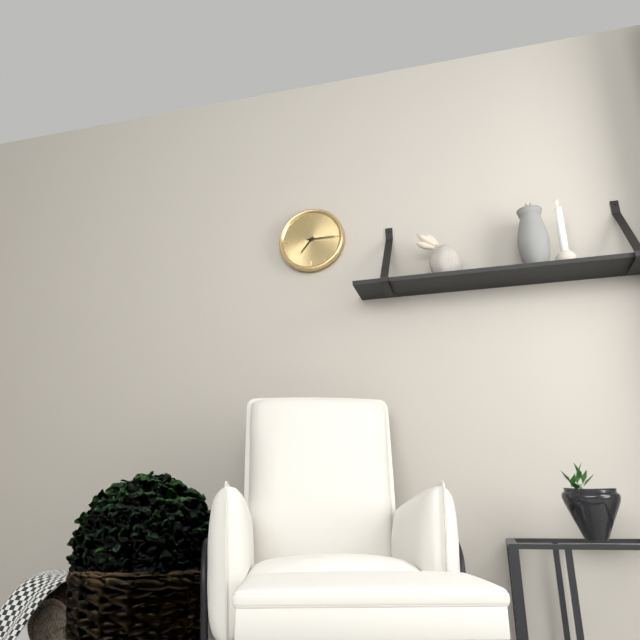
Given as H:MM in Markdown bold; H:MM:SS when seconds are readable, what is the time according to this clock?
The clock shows **7:15**
